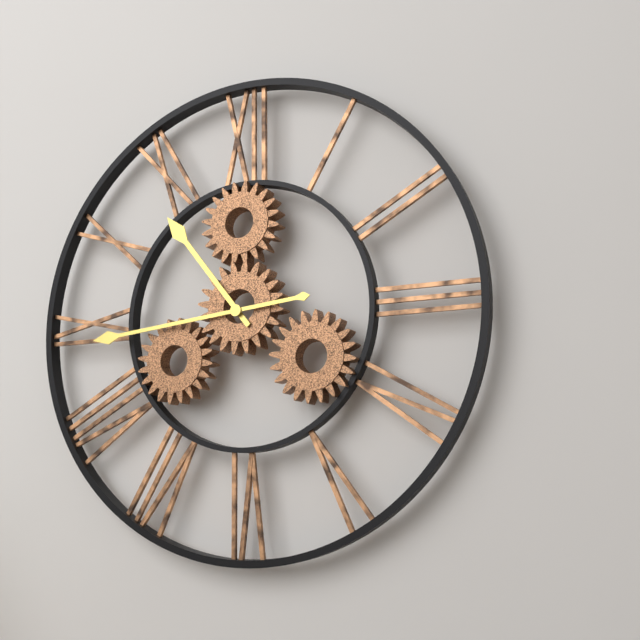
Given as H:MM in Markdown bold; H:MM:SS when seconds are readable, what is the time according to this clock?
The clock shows **10:44**
